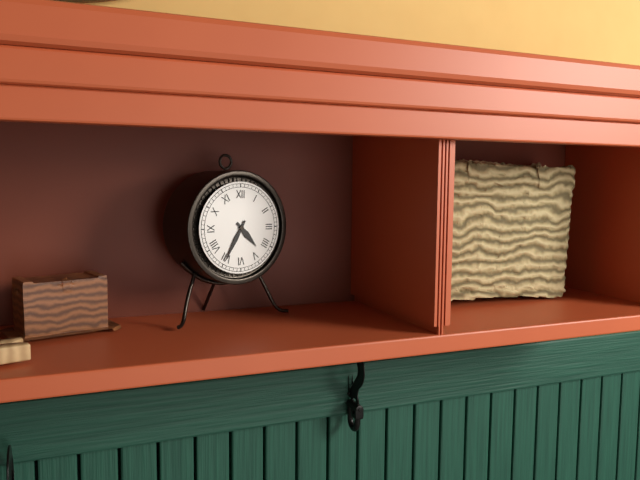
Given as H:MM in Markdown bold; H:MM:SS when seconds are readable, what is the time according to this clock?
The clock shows **4:35**
